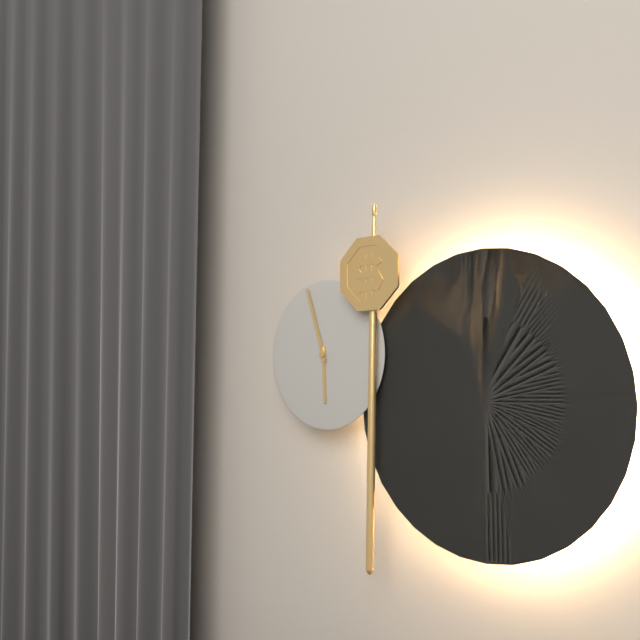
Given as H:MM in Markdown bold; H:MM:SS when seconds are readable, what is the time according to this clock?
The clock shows **5:57**
